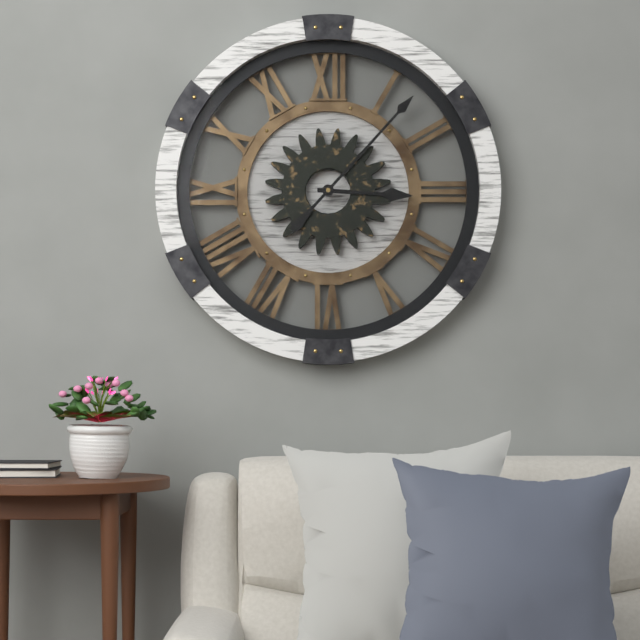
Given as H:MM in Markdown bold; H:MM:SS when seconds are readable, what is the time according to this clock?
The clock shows **3:07**
